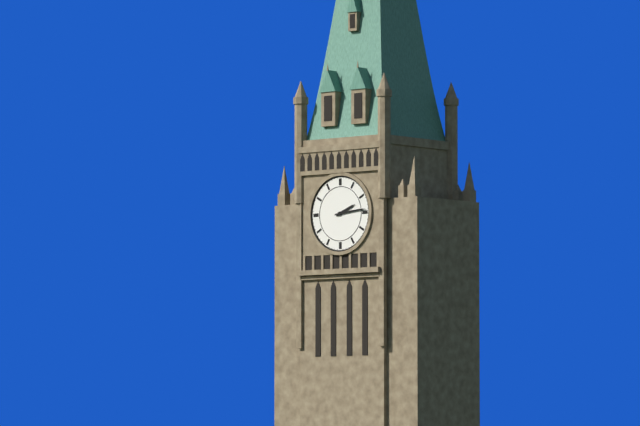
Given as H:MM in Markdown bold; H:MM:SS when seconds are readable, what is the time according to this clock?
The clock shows **2:14**
